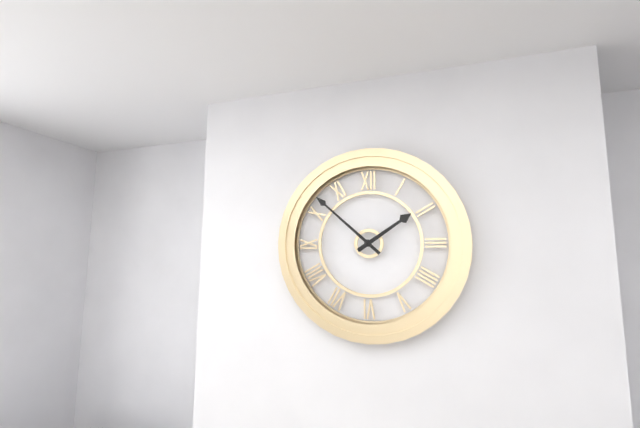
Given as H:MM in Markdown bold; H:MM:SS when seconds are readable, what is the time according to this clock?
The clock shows **1:52**
